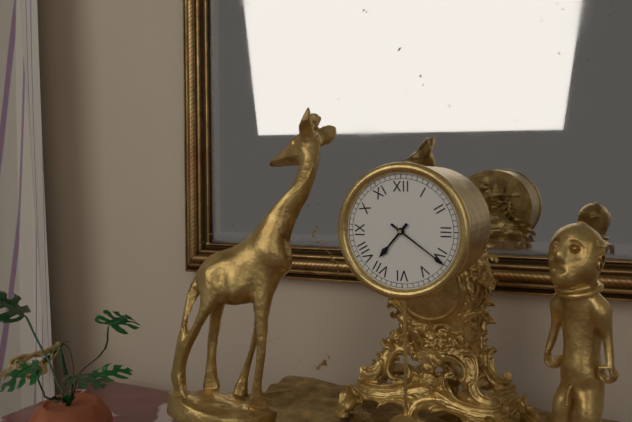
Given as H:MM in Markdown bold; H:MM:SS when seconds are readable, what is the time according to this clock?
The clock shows **7:21**
